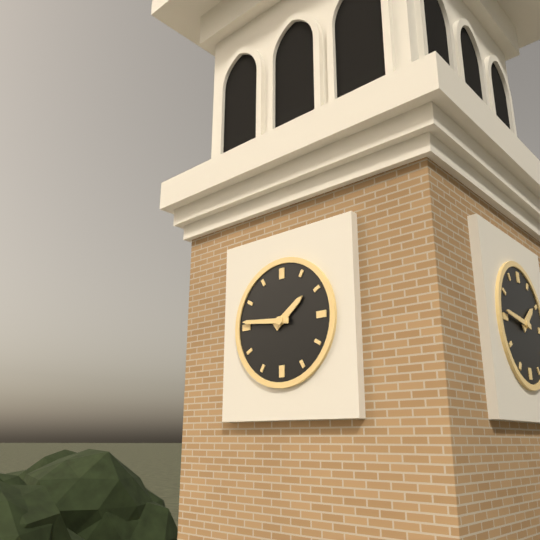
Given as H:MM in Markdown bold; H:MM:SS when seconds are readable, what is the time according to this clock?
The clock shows **1:46**
